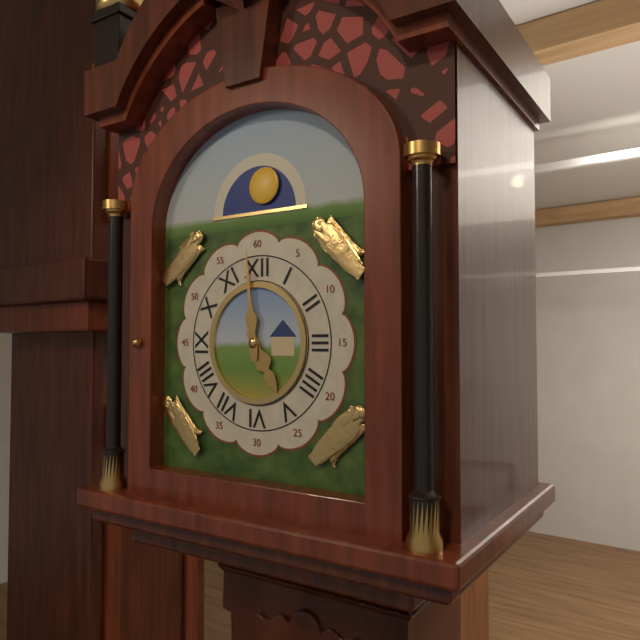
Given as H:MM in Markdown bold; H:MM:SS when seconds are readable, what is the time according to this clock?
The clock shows **4:59**
